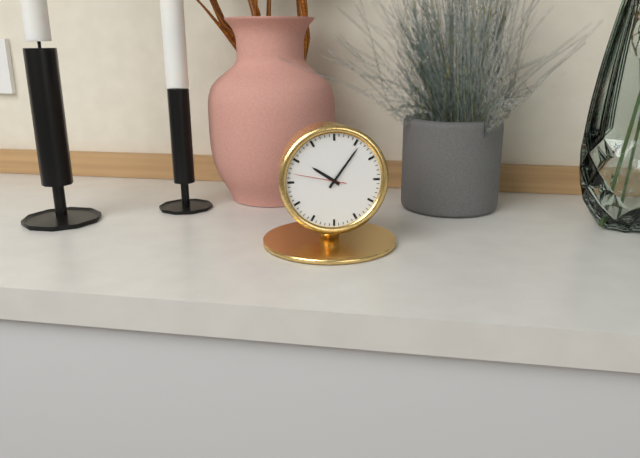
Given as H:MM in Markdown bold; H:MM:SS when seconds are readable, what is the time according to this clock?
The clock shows **10:06:47**
